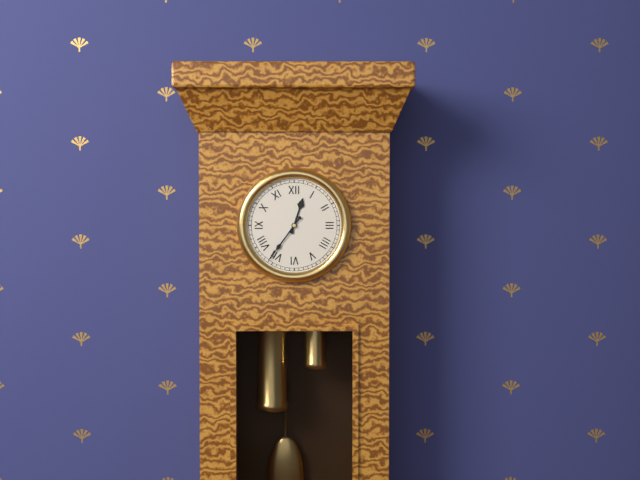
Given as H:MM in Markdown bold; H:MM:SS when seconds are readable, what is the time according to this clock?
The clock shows **12:36**
